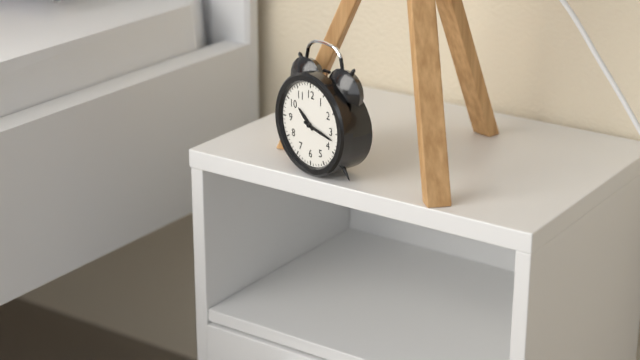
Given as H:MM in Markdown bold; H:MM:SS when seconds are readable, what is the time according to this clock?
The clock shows **10:17**
